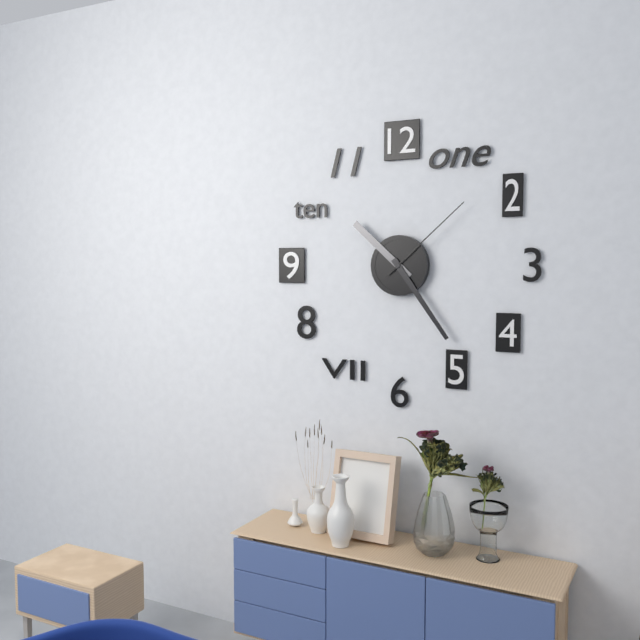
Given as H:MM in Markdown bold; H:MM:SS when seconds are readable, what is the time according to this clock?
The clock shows **10:24:08**
